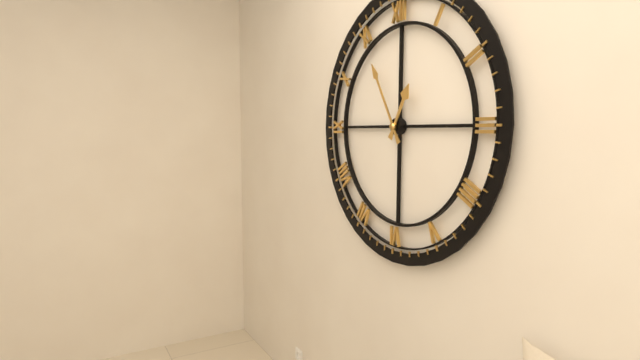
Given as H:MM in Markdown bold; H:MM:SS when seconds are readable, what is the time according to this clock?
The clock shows **12:55**
